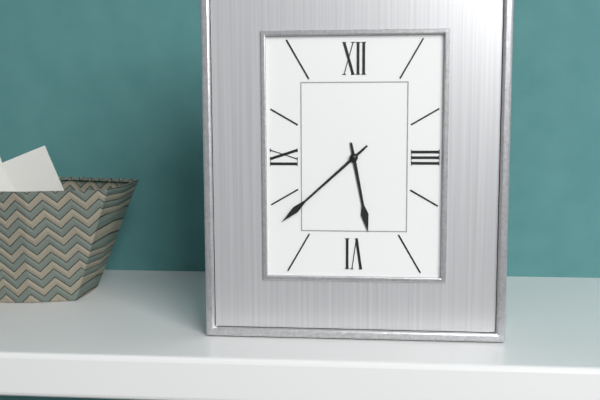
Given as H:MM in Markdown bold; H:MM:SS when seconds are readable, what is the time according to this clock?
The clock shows **5:38**
